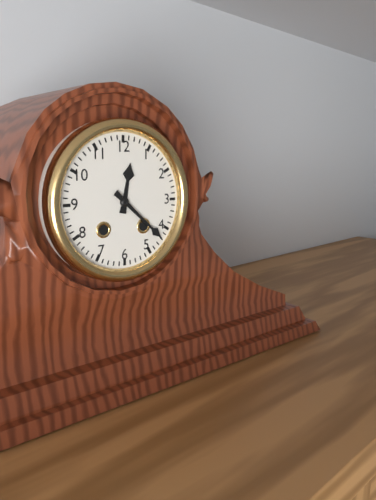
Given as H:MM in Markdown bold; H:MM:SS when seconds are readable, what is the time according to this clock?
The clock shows **12:22**
